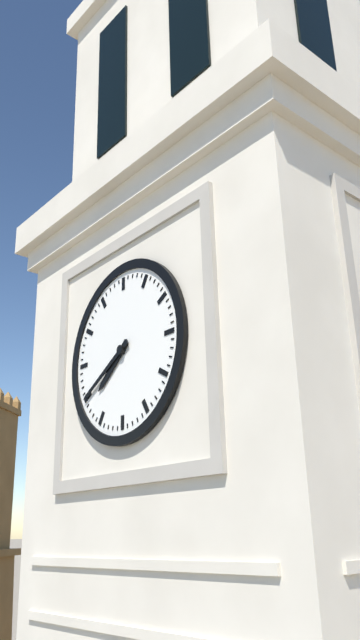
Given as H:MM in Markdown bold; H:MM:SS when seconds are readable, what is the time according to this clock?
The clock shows **7:40**
